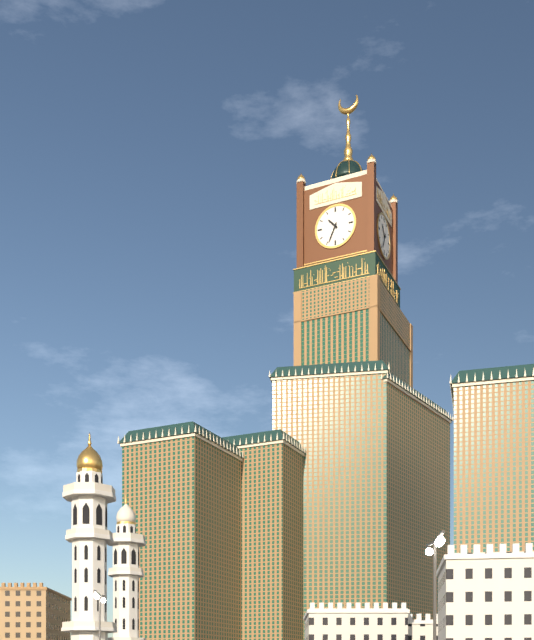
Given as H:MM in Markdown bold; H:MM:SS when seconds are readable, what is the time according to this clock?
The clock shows **10:34**
